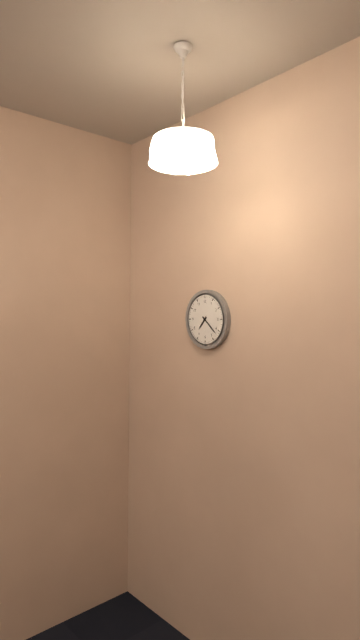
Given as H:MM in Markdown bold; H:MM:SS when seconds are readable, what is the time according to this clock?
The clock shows **7:22**
